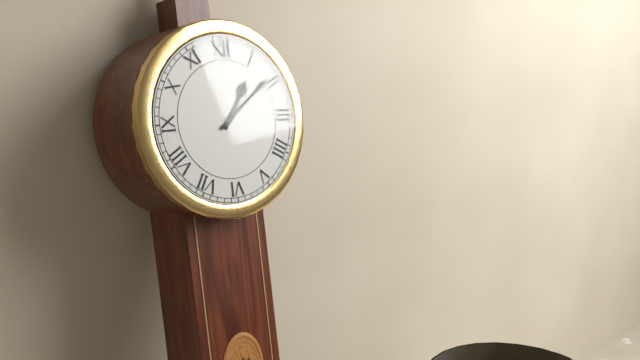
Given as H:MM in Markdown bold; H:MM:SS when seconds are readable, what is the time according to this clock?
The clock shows **1:09**
